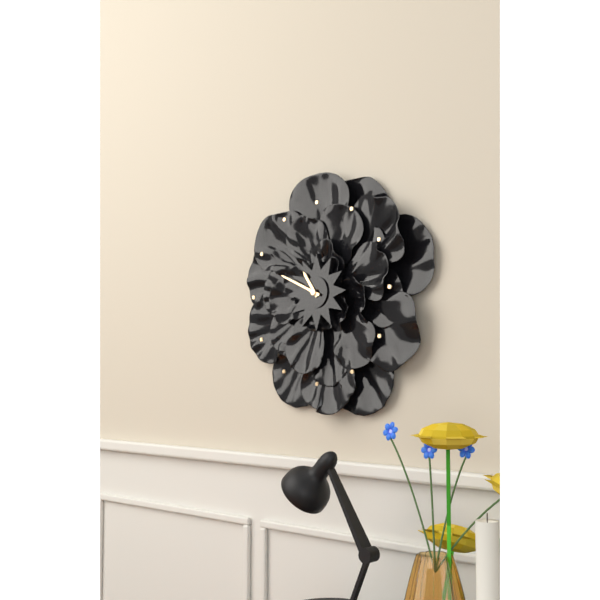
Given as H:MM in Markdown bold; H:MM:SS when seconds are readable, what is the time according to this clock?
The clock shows **10:49**
